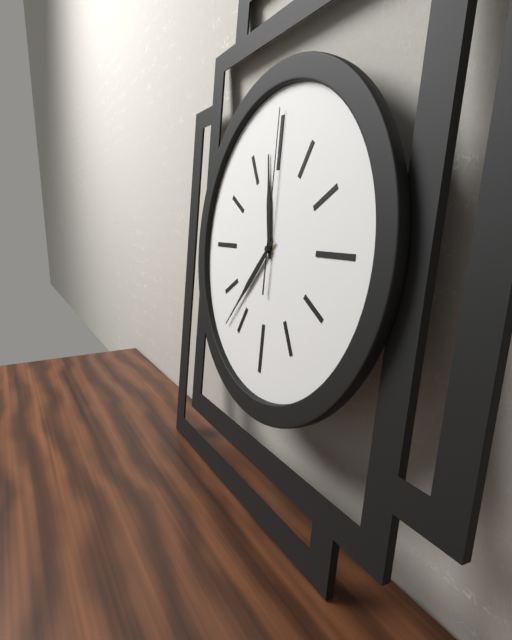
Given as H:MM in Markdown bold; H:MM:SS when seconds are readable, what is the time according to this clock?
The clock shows **11:37:00**
